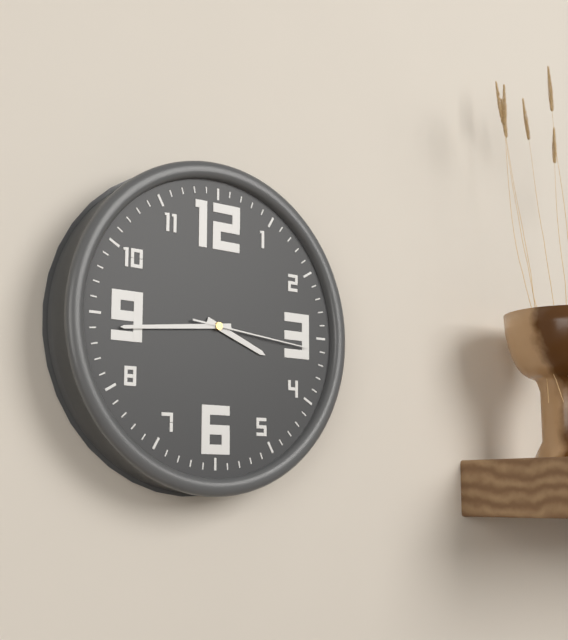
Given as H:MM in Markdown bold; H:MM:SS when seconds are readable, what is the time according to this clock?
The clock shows **3:44:16**
